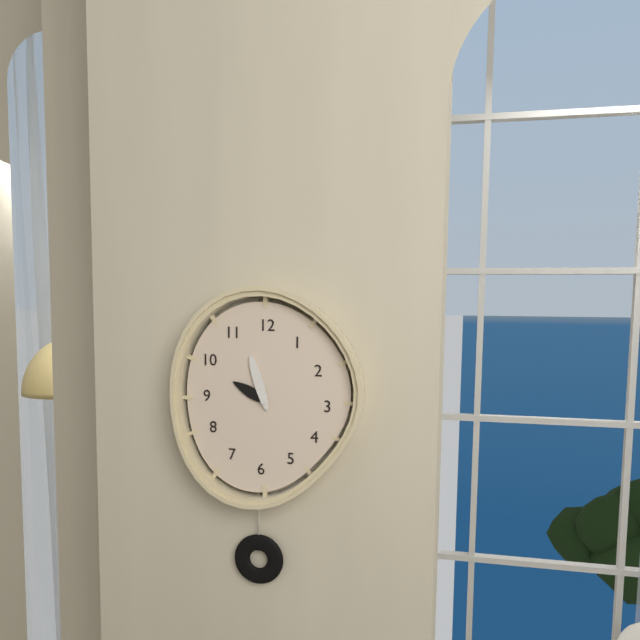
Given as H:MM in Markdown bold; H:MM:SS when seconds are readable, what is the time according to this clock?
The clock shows **9:57**
